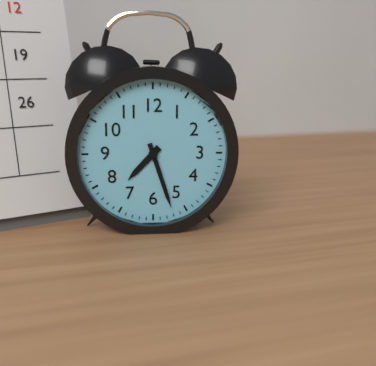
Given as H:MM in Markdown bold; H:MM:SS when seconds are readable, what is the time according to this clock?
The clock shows **7:27**
